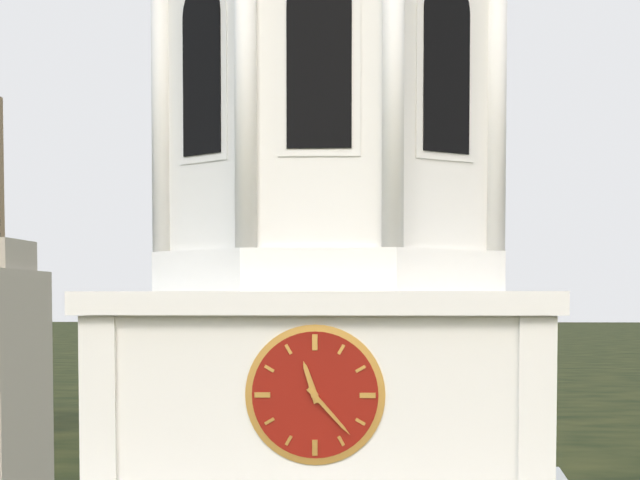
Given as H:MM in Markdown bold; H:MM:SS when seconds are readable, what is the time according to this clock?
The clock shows **11:23**
